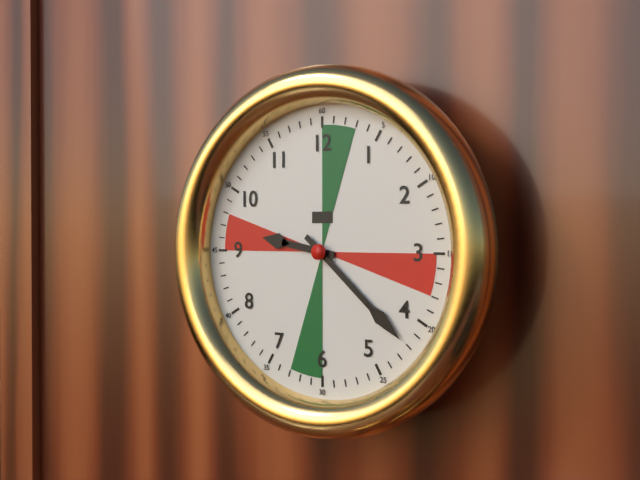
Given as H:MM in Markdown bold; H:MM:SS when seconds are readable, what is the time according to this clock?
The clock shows **9:22**
